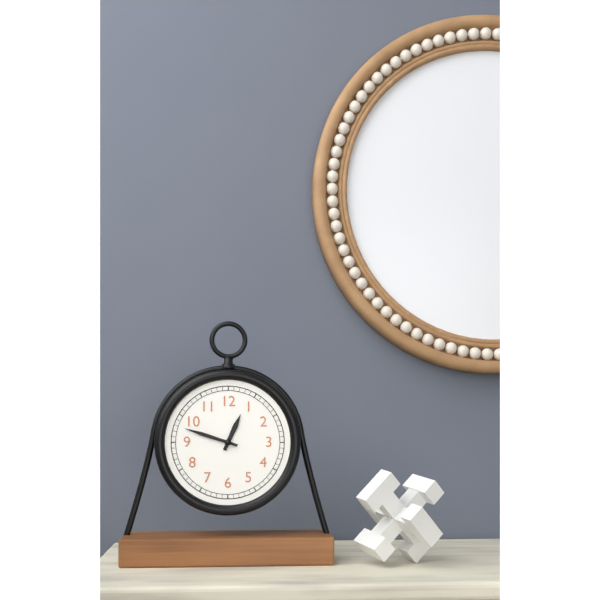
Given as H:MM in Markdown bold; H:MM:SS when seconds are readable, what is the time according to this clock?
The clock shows **12:48**
